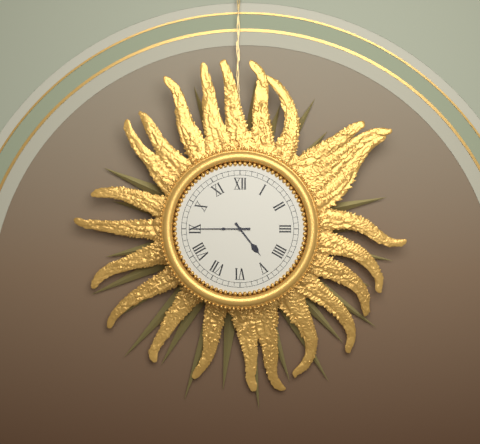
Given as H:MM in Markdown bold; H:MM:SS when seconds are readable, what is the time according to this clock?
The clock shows **4:45**
